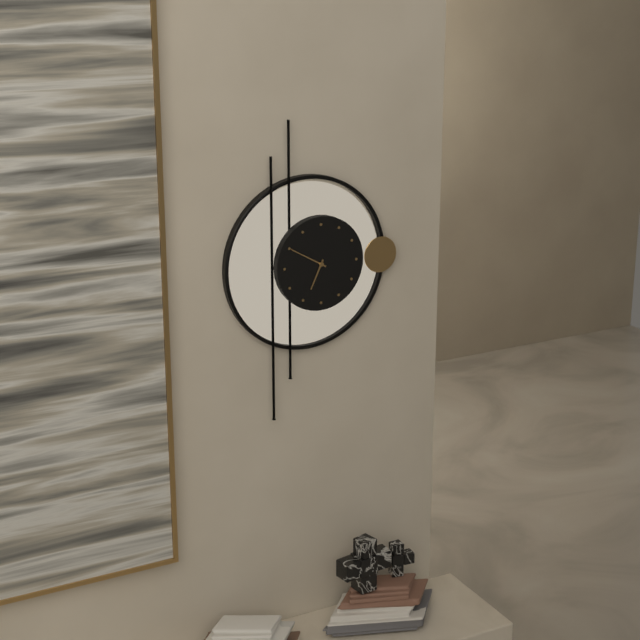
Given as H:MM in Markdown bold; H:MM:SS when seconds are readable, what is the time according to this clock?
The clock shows **6:50**
